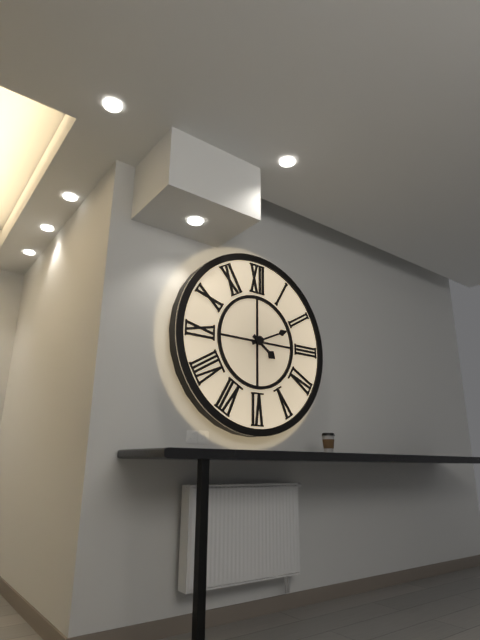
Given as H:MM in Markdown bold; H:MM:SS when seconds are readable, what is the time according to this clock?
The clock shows **4:11**
